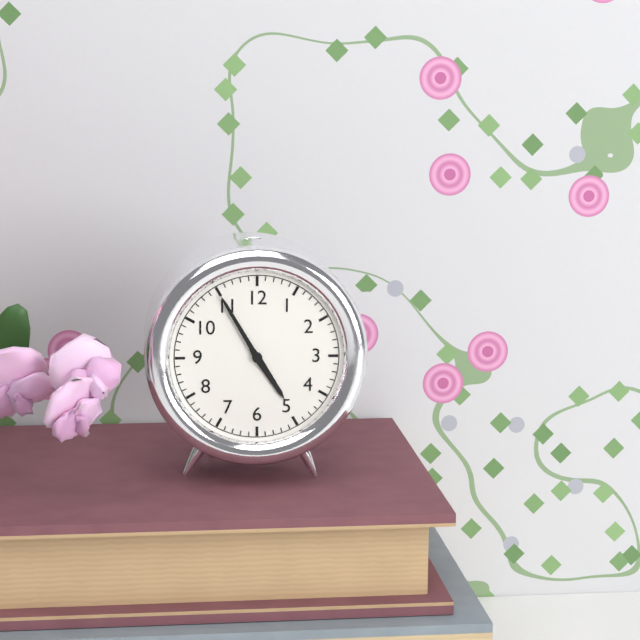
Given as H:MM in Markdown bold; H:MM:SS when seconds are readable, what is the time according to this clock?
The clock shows **4:55**
